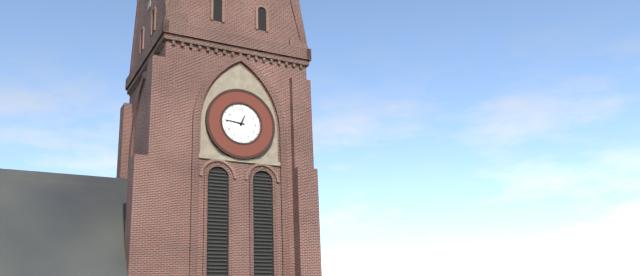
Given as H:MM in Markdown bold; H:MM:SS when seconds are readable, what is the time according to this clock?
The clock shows **12:46**
